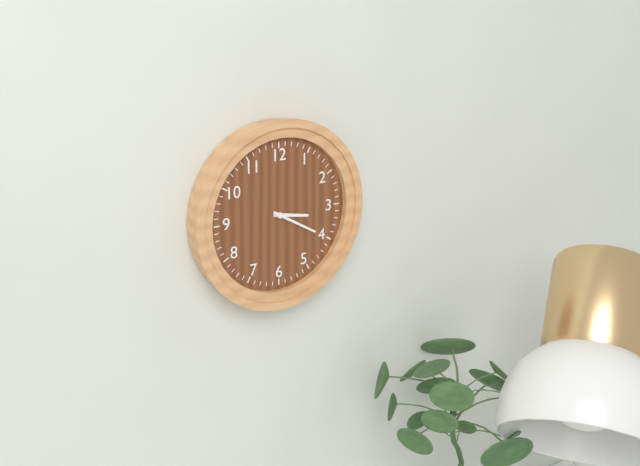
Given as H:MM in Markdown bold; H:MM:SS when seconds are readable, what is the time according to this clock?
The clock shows **3:20**
